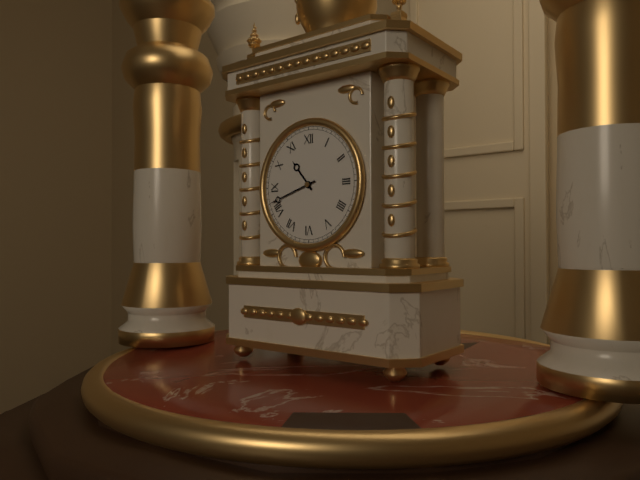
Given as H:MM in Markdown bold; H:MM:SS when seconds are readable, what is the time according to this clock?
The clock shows **10:42**
